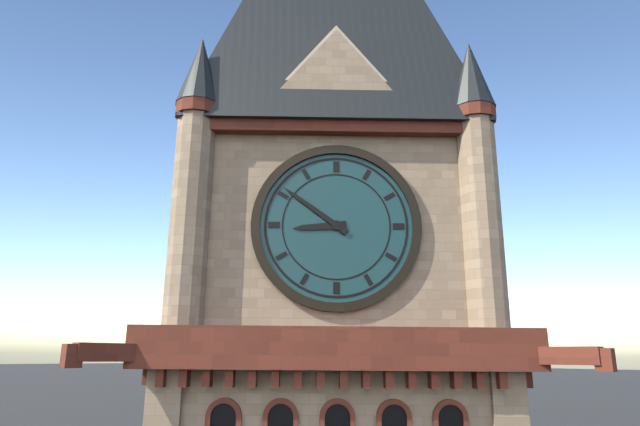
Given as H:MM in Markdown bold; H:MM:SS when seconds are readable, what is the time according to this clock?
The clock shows **8:51**
